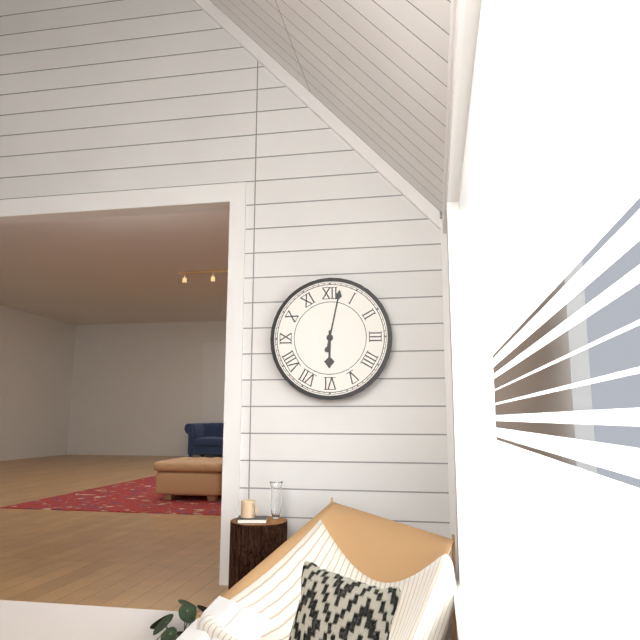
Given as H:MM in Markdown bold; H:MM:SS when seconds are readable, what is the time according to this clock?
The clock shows **6:02**
